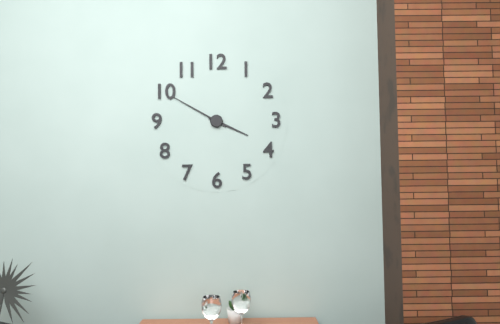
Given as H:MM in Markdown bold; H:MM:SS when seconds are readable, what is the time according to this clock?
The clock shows **3:50**
